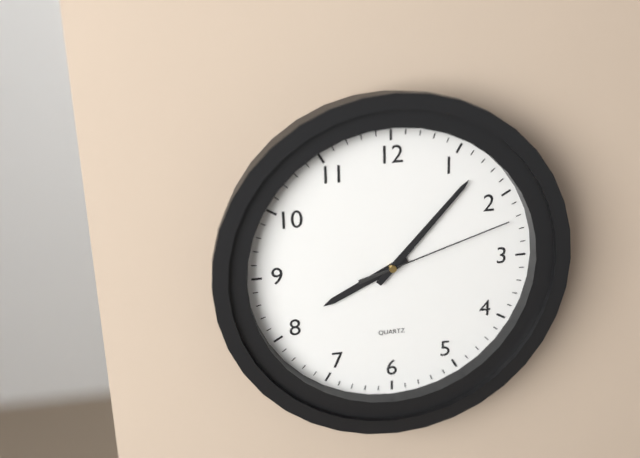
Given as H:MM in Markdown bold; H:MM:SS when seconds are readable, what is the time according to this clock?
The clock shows **8:07:12**
